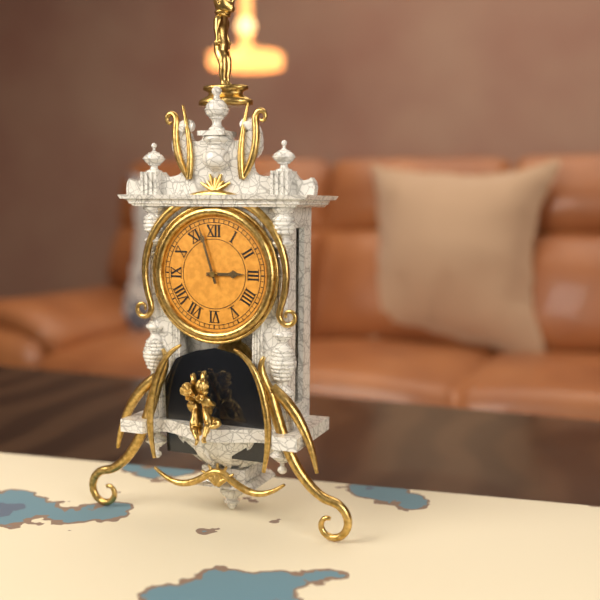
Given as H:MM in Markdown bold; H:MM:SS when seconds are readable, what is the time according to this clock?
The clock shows **2:57**
